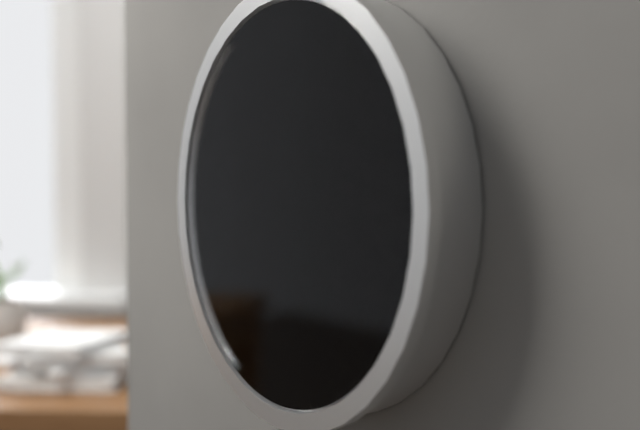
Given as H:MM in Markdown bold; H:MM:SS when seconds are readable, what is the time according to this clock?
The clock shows **4:50**
